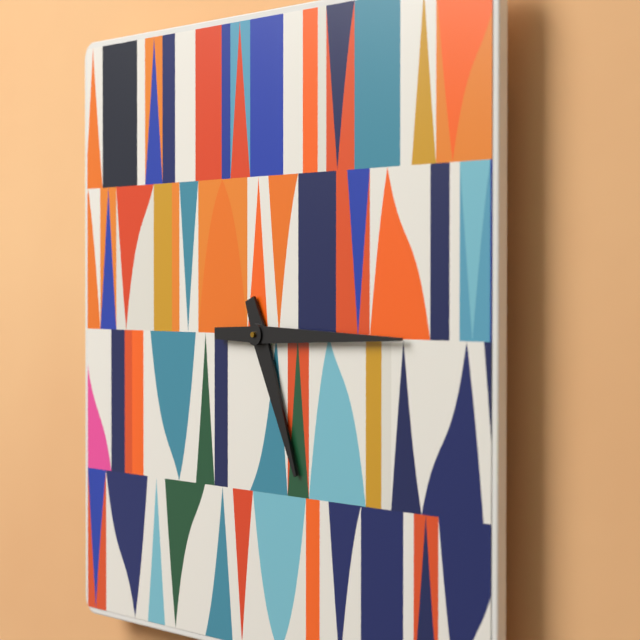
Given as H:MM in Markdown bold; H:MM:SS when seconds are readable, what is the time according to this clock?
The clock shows **5:15**
